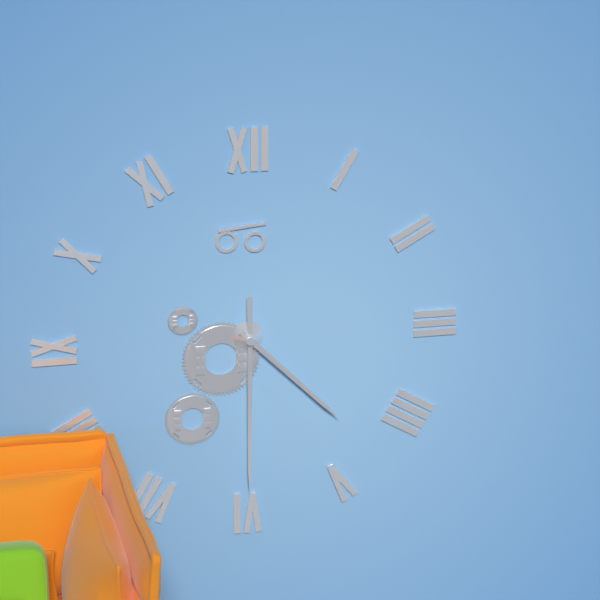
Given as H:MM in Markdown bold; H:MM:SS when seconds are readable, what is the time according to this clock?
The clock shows **4:30**
